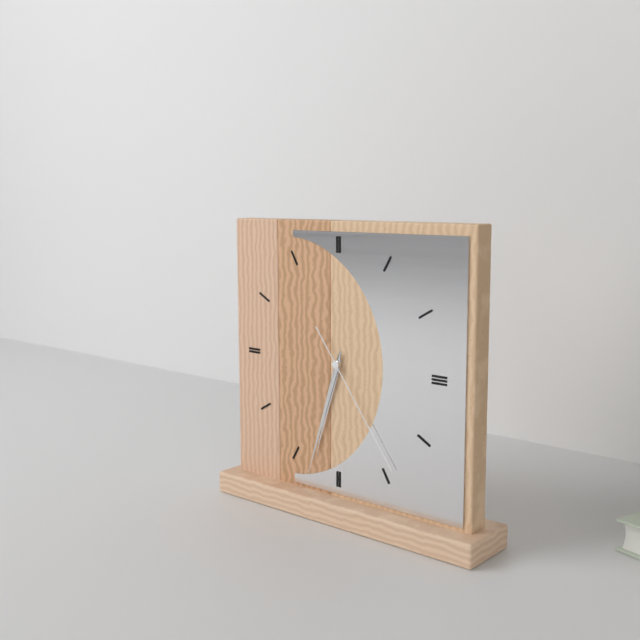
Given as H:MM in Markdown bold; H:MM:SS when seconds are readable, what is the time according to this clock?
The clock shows **6:33:24**
